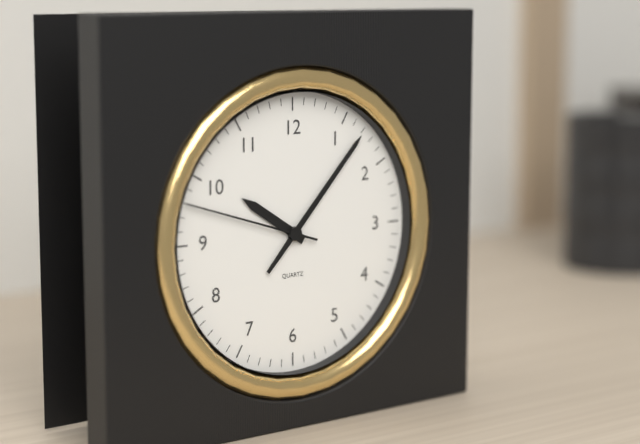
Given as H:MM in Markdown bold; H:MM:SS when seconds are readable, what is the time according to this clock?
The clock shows **10:07:48**
